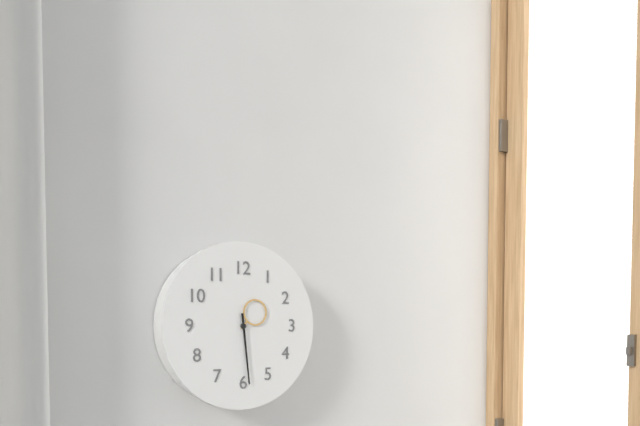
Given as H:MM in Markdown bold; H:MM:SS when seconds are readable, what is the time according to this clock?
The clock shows **1:29**
